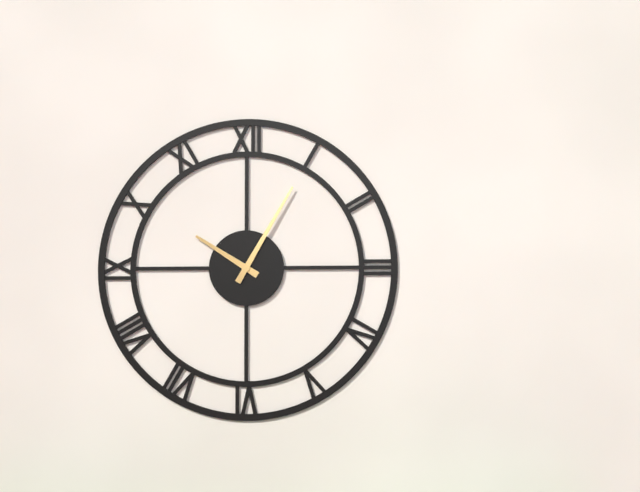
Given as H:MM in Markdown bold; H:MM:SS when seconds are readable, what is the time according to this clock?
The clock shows **10:05**
